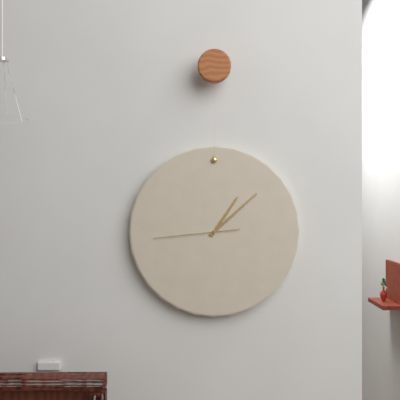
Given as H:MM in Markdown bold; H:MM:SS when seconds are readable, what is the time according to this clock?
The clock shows **1:08:44**
